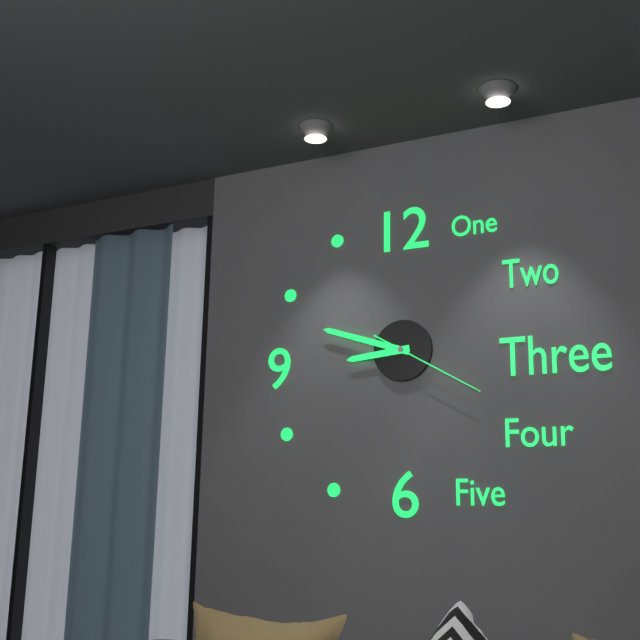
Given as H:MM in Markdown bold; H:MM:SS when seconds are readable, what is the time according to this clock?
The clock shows **8:48:20**
